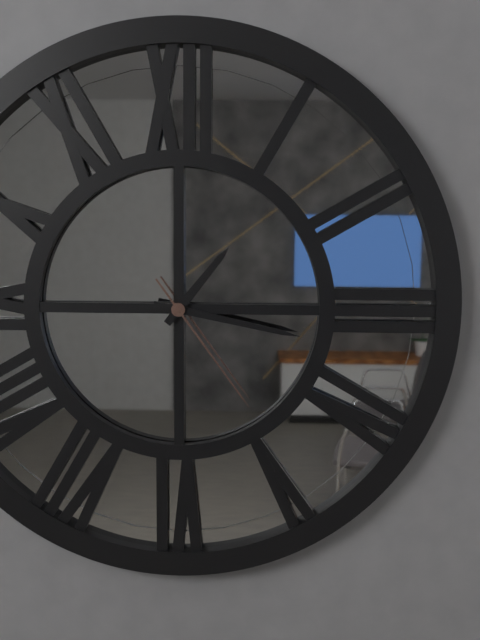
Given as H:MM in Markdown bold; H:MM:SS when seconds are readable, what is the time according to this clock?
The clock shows **1:17:24**
